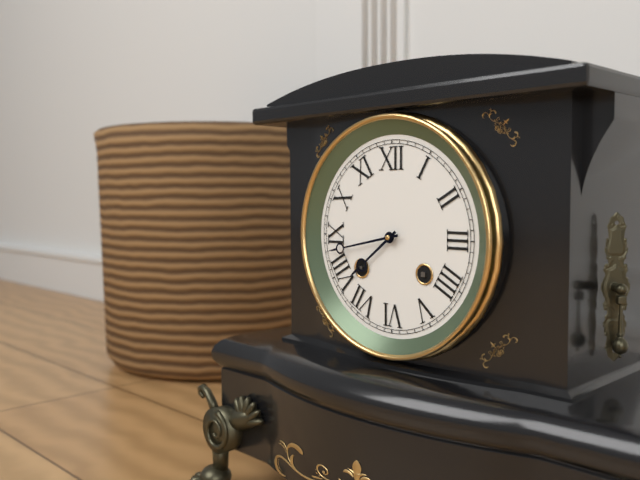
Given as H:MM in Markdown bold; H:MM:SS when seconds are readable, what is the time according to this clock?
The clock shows **7:43**
